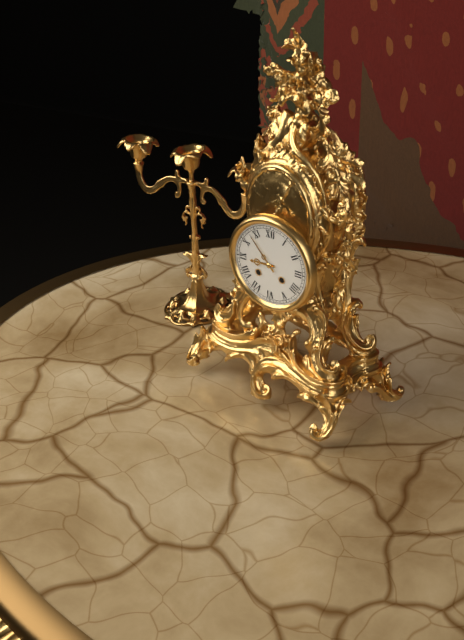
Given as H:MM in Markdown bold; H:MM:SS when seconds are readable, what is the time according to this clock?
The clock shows **8:53**
